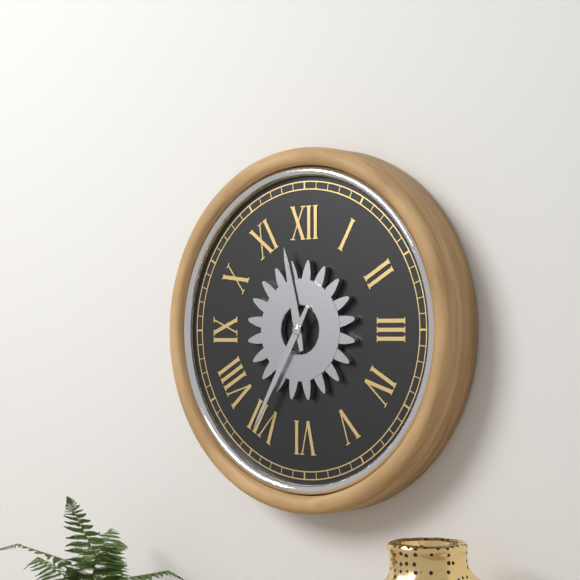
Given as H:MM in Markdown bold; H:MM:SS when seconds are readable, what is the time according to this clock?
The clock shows **11:35**
